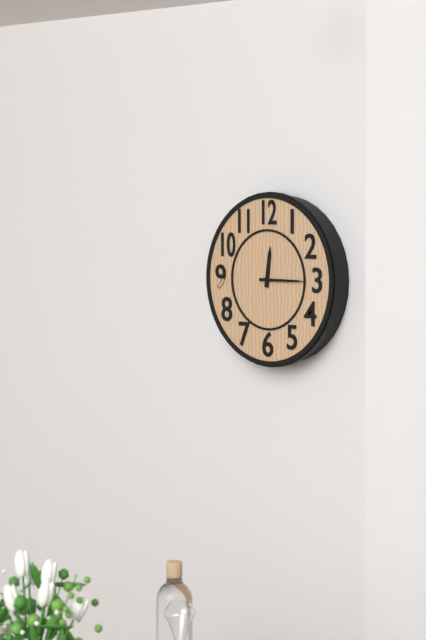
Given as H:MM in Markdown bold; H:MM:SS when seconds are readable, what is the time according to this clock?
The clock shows **12:15**
